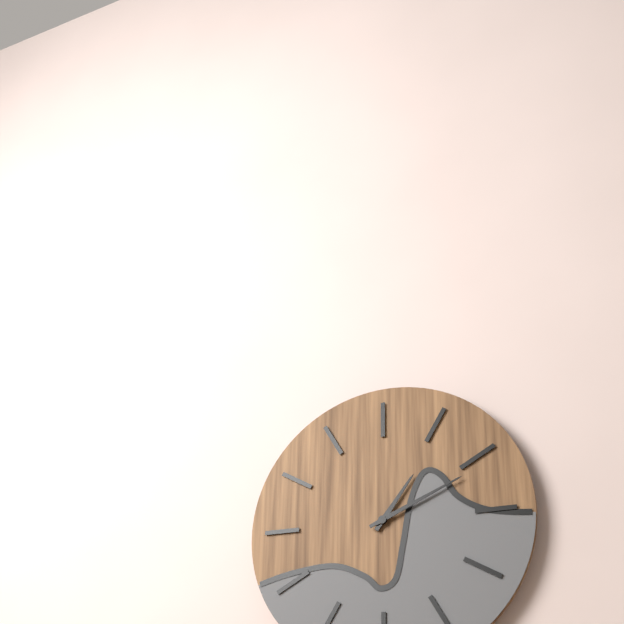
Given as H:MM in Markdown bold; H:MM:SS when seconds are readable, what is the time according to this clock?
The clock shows **1:11**
